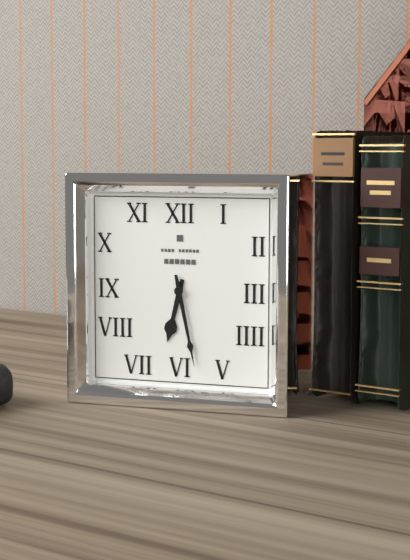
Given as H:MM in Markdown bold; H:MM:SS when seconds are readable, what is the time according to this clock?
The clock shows **6:28**
